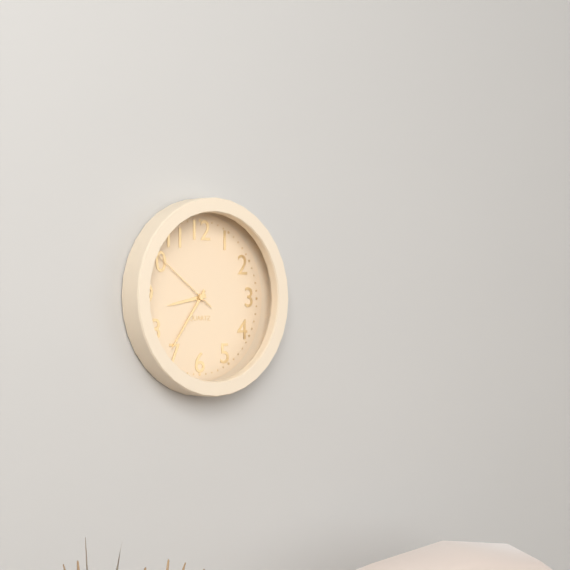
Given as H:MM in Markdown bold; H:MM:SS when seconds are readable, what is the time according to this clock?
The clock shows **8:36:51**
